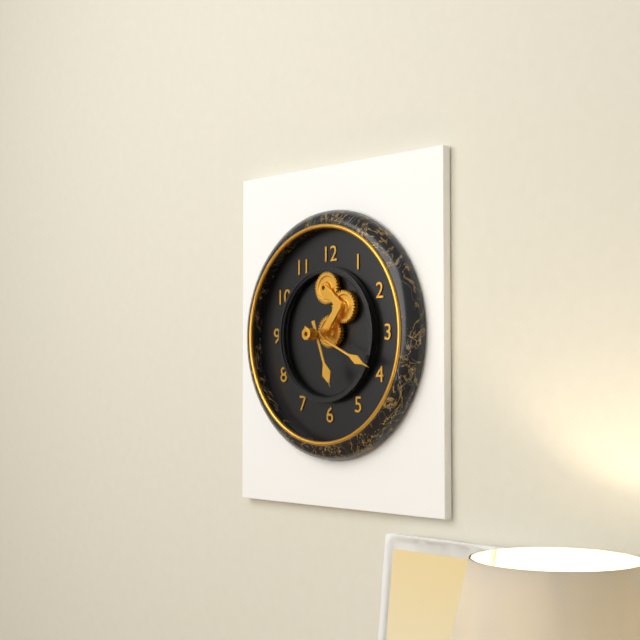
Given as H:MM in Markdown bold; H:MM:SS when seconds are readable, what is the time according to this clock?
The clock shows **5:19**
